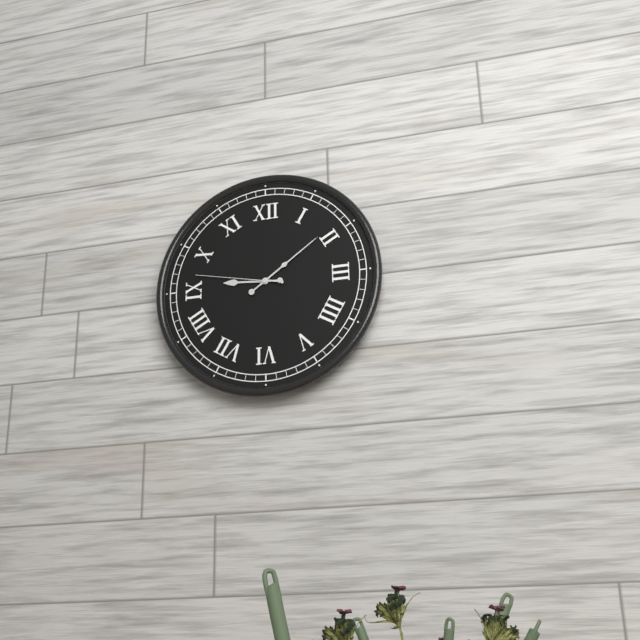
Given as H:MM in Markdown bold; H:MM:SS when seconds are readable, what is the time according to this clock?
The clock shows **9:09:47**
